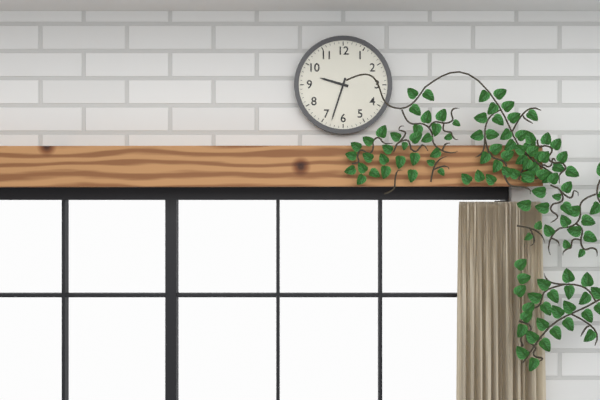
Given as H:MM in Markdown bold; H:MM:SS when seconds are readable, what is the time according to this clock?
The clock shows **9:33**
